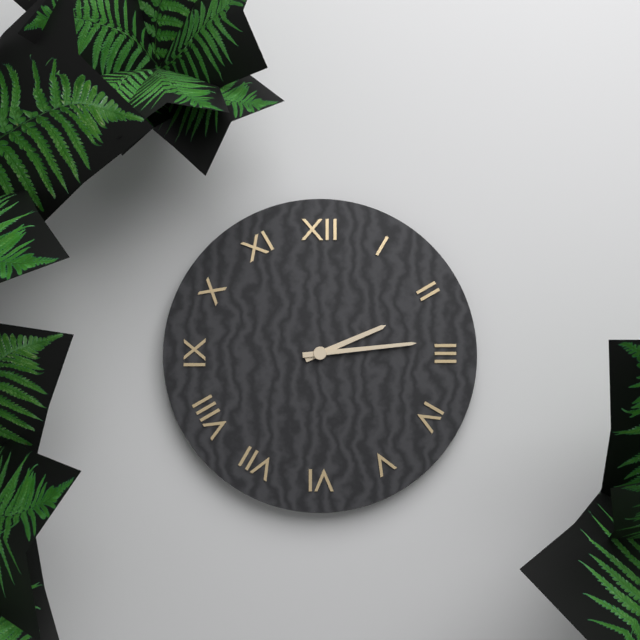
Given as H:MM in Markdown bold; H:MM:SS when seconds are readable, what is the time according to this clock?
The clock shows **2:14**
